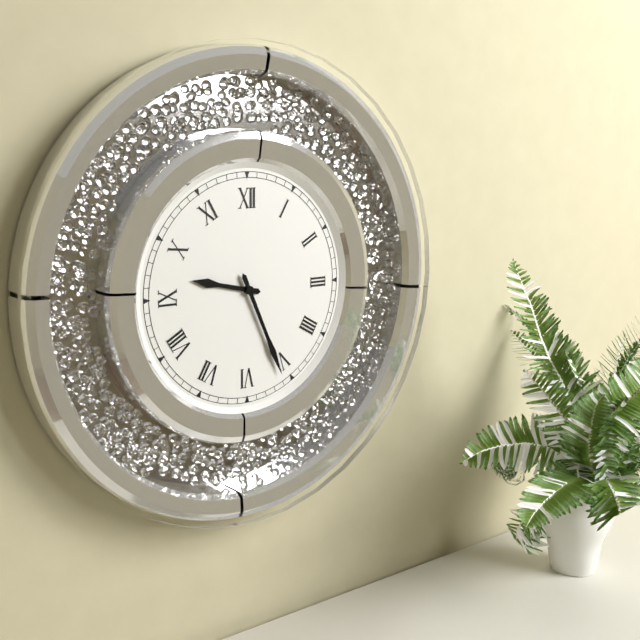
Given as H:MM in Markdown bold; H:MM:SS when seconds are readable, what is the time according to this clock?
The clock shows **9:26**
